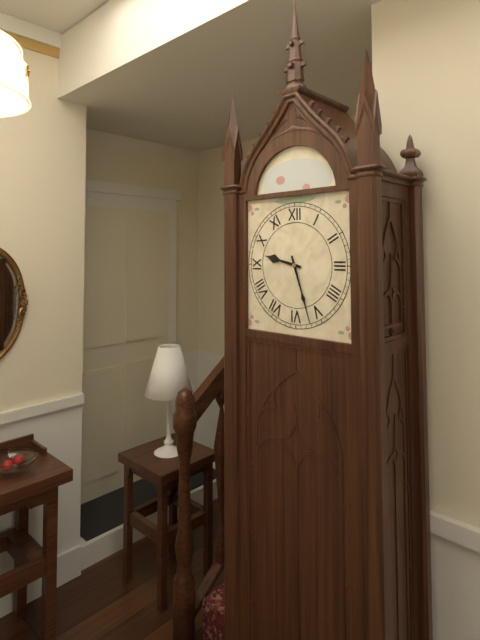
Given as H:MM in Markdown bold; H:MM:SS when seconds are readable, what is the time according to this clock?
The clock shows **9:27**
